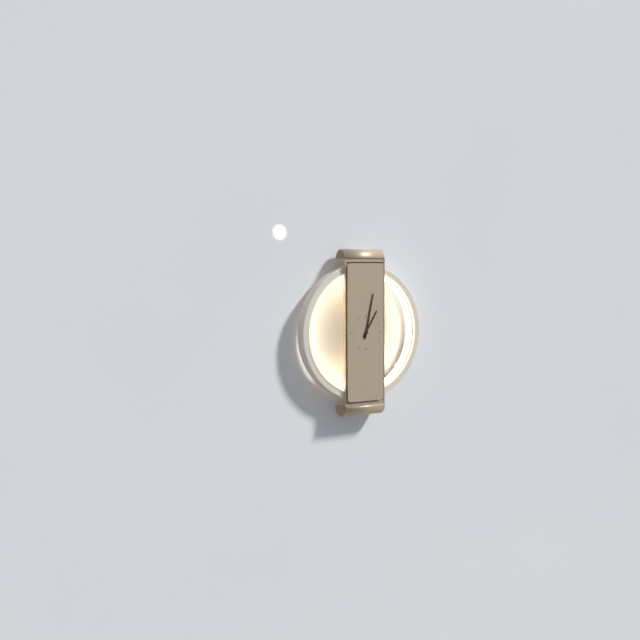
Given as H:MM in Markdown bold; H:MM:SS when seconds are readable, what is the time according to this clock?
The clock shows **1:02**
